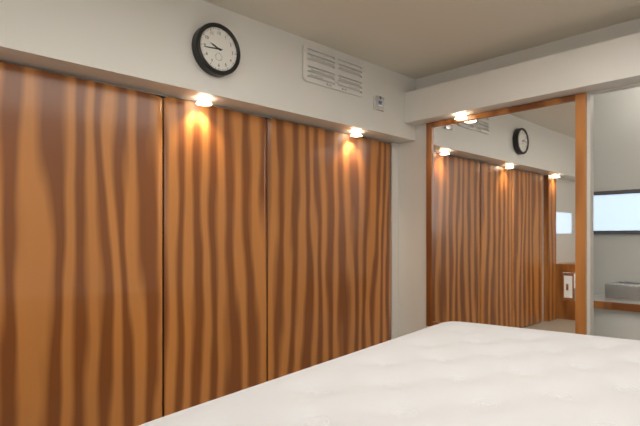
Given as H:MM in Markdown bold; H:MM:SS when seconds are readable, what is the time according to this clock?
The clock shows **9:44**
